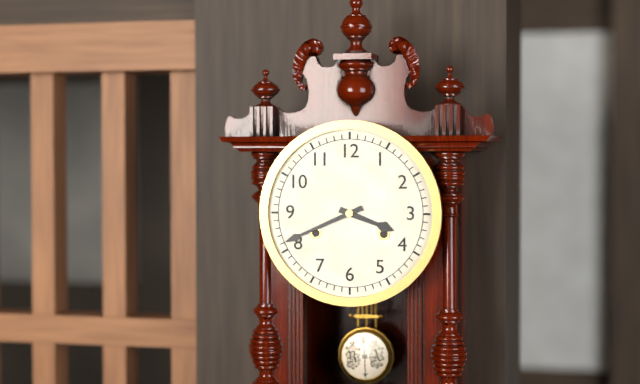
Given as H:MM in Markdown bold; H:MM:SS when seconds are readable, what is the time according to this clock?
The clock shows **3:41**
